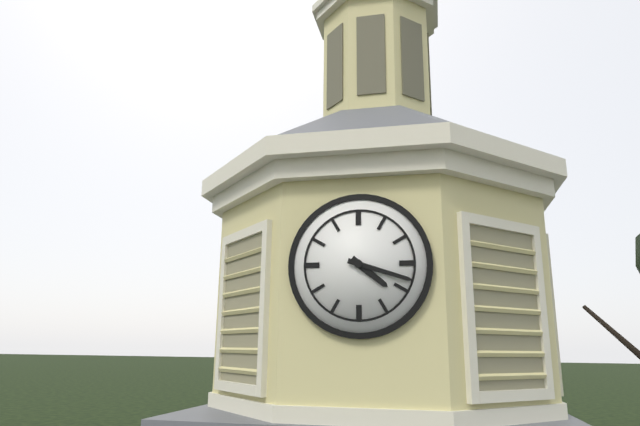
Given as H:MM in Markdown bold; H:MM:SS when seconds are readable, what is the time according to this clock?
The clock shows **4:18**
